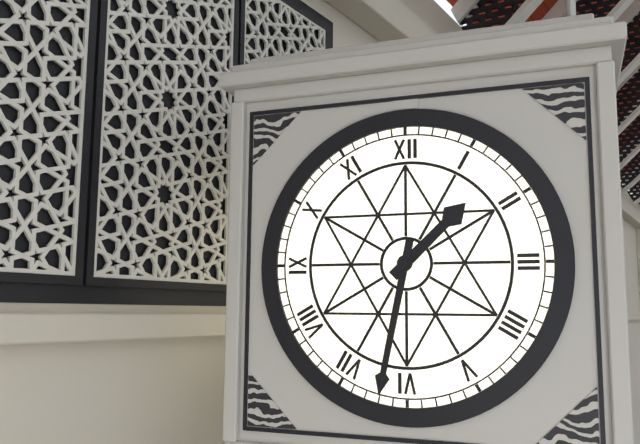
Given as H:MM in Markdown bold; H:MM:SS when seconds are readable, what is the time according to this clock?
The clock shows **1:32**
